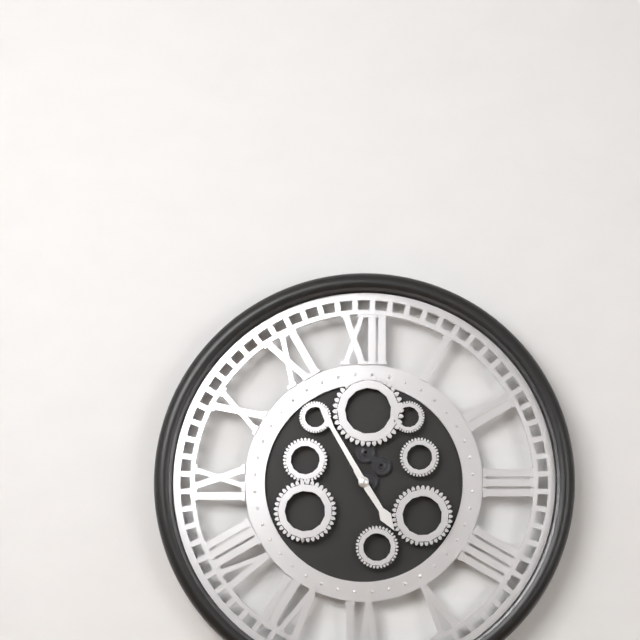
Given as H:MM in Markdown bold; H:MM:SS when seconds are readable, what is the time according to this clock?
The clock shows **4:55**
